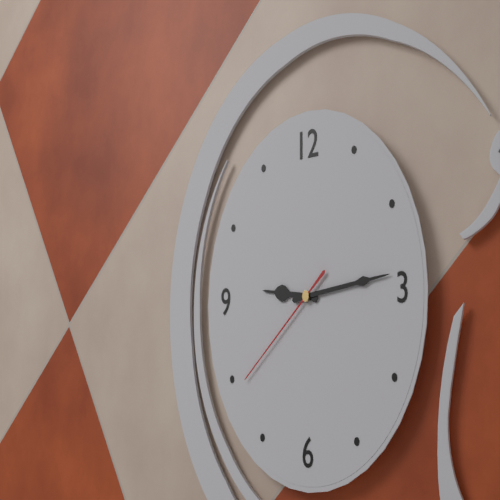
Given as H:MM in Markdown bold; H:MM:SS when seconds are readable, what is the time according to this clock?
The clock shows **9:14:39**
